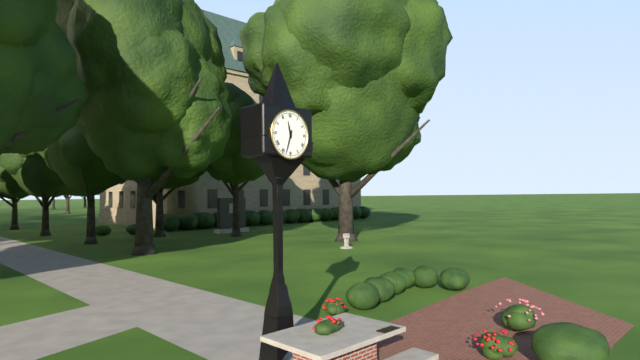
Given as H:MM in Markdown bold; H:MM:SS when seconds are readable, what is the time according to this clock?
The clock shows **11:33**
